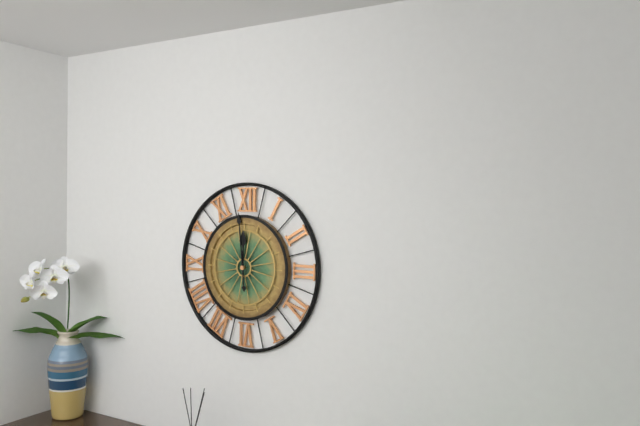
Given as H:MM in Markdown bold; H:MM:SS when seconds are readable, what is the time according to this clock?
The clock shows **11:59**
